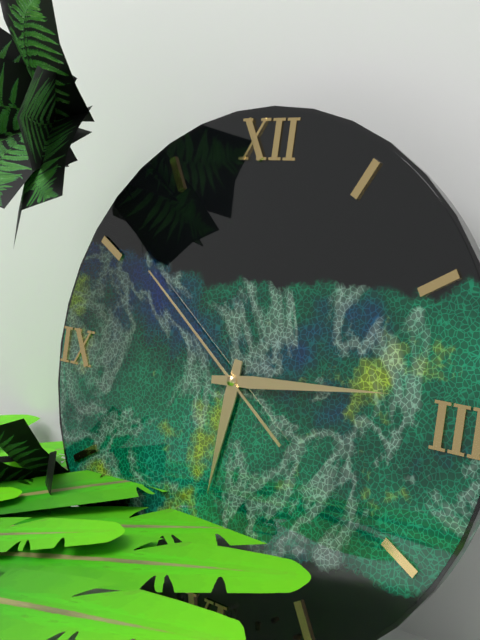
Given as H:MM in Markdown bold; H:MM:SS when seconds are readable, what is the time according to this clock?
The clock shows **6:14:51**
